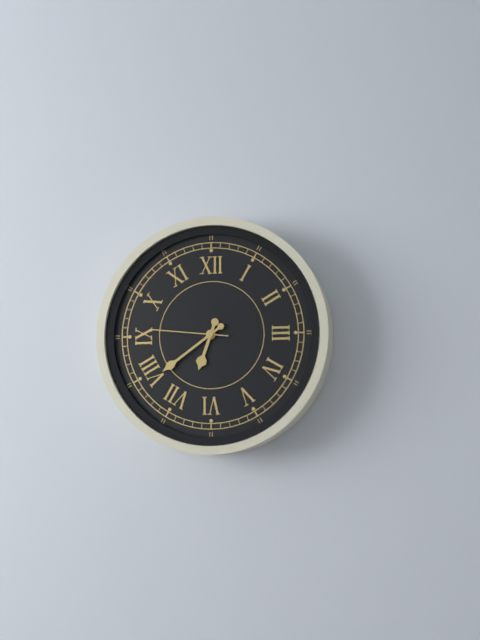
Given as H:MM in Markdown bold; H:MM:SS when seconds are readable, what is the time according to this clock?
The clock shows **6:39:46**
